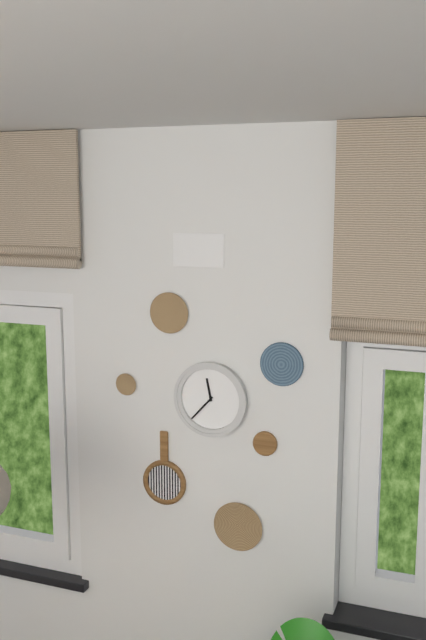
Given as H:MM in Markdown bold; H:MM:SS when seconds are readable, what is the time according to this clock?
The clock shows **11:37**
